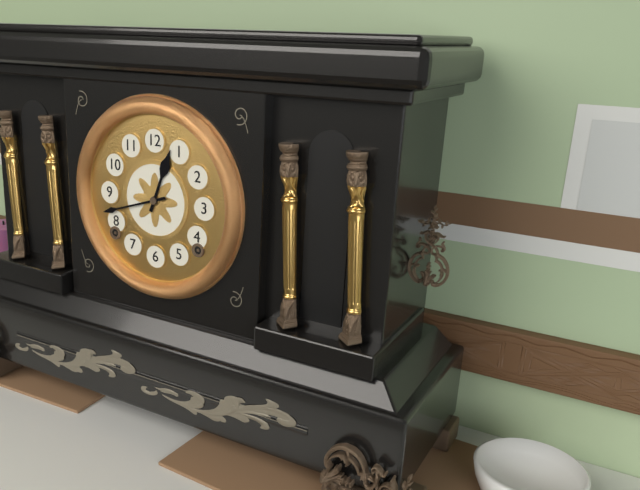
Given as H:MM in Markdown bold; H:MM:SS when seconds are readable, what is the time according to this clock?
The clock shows **12:42**
